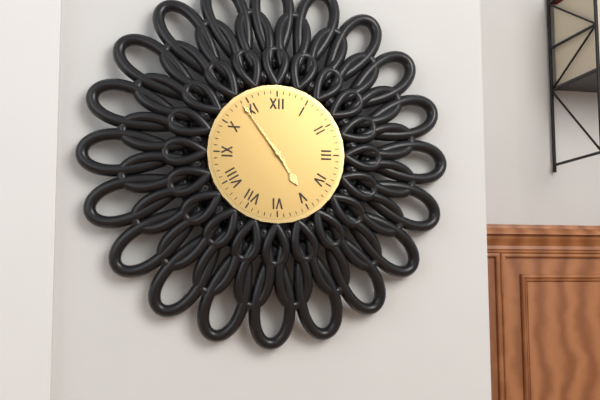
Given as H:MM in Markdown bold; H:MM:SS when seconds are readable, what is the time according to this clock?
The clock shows **4:54**
